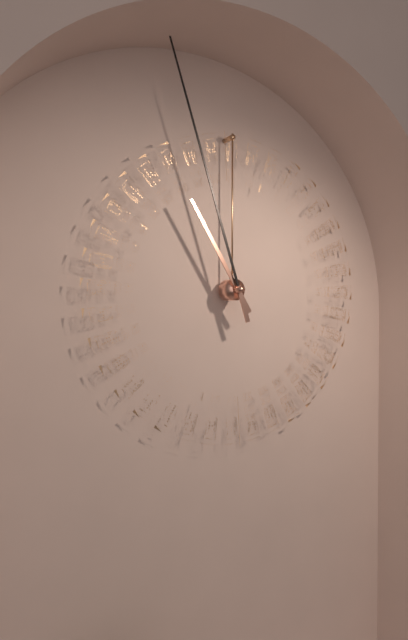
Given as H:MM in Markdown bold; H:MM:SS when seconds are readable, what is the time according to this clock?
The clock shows **10:57**
